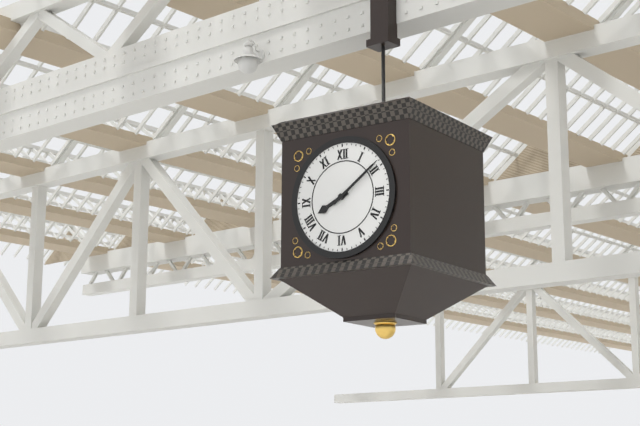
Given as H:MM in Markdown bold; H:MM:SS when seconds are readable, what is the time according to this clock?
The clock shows **8:09**
